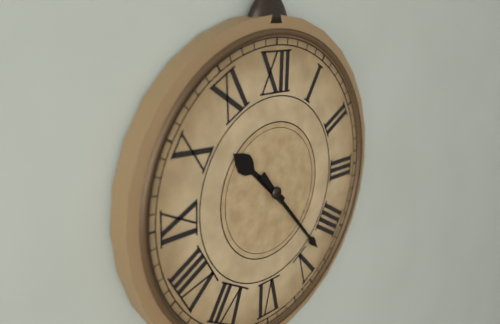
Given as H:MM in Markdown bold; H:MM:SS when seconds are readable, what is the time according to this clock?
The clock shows **10:23**
